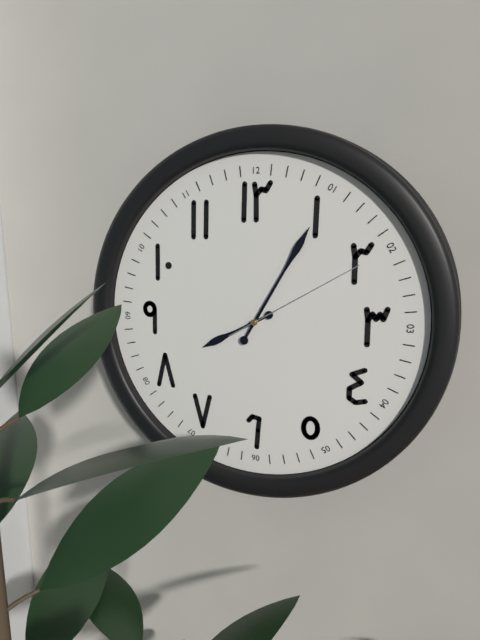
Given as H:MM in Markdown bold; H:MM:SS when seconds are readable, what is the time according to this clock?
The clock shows **8:05:10**
